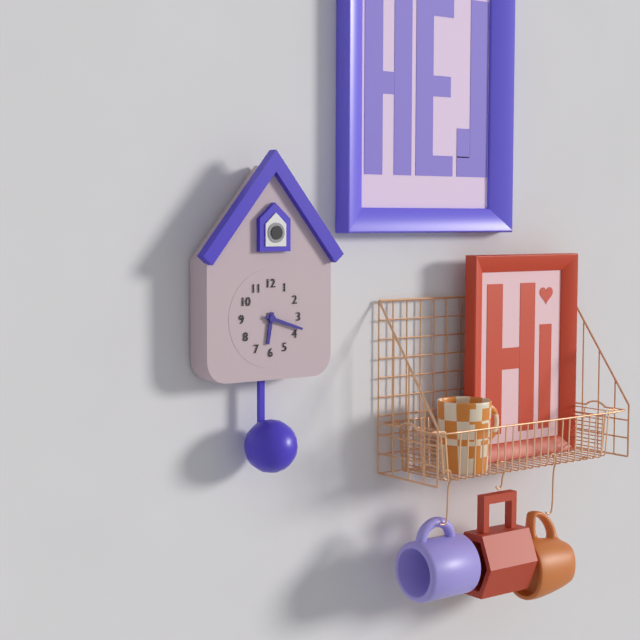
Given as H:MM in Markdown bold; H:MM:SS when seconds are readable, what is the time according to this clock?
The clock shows **6:18**
